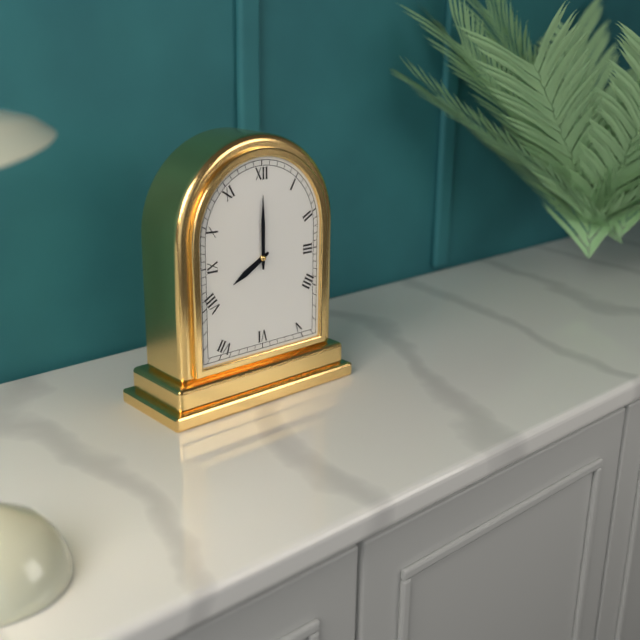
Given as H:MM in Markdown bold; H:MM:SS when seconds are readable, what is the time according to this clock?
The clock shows **8:00**
